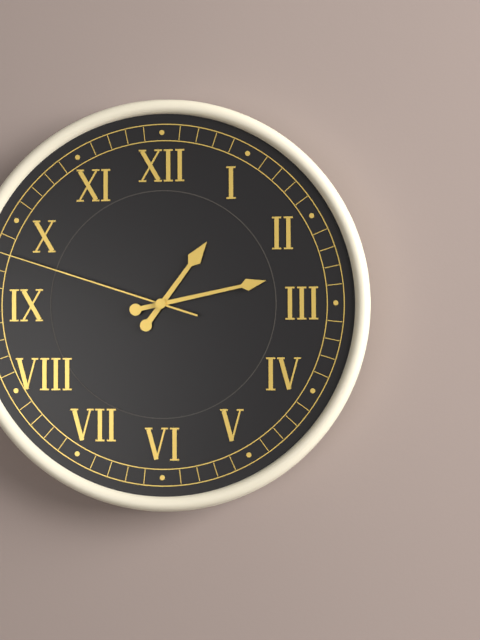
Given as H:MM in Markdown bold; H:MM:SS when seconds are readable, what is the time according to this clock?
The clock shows **1:13:48**
